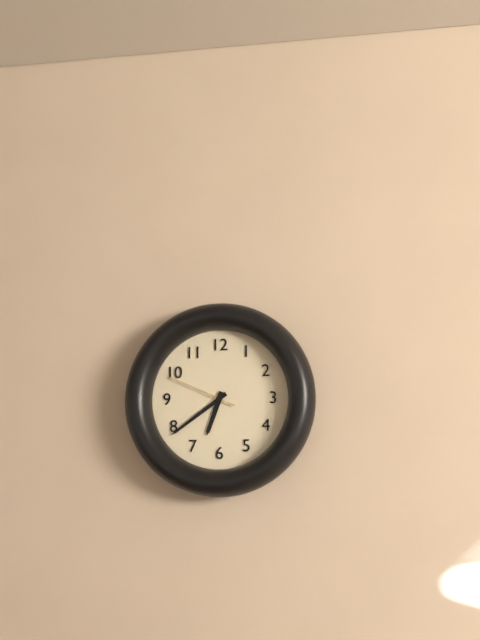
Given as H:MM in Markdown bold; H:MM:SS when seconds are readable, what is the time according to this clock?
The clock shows **6:39:49**
